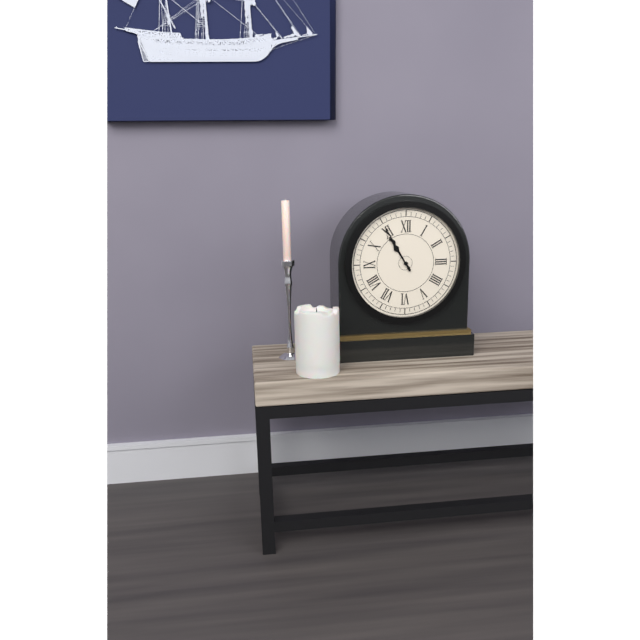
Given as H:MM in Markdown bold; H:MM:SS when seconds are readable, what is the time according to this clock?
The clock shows **10:55**
